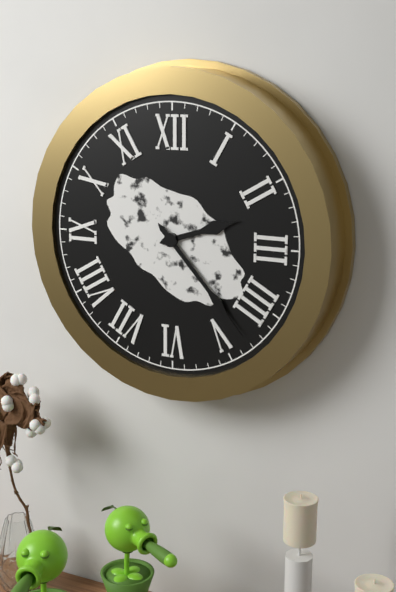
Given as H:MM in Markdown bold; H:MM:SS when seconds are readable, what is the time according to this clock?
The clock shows **2:23**
